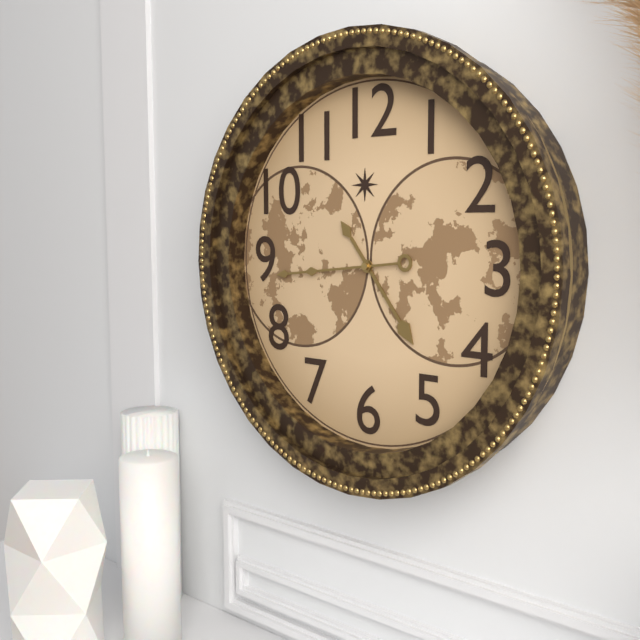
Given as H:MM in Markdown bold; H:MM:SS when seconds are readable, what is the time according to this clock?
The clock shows **4:44**
